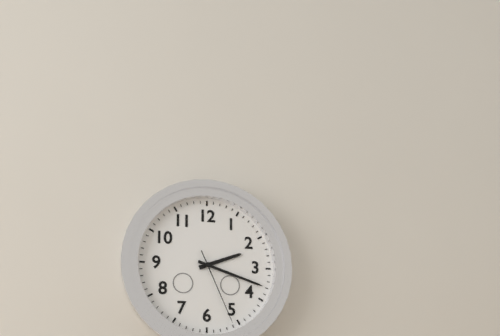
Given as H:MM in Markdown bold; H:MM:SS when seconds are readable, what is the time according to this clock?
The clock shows **2:18:26**
